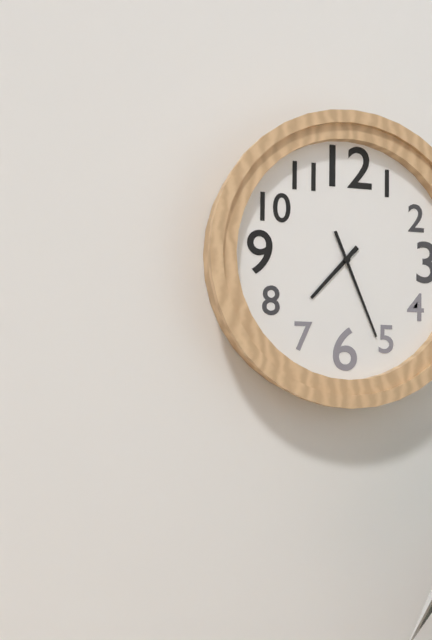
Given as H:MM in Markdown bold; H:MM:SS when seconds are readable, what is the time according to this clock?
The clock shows **7:26**
